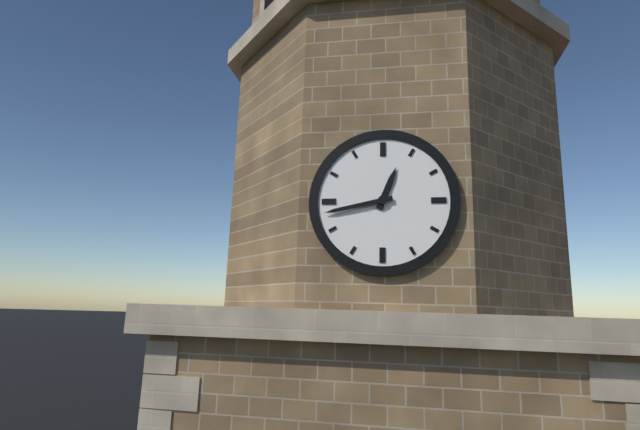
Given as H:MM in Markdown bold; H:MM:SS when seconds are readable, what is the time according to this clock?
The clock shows **12:43**
